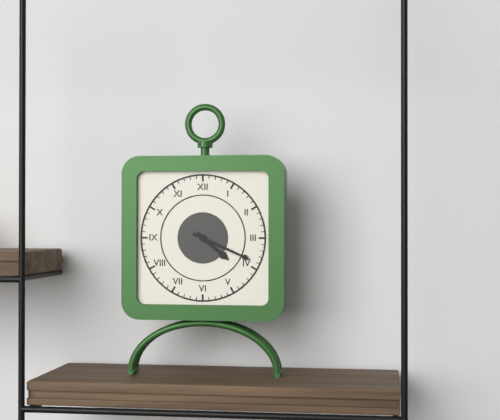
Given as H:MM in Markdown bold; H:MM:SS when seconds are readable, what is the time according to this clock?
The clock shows **4:19**
